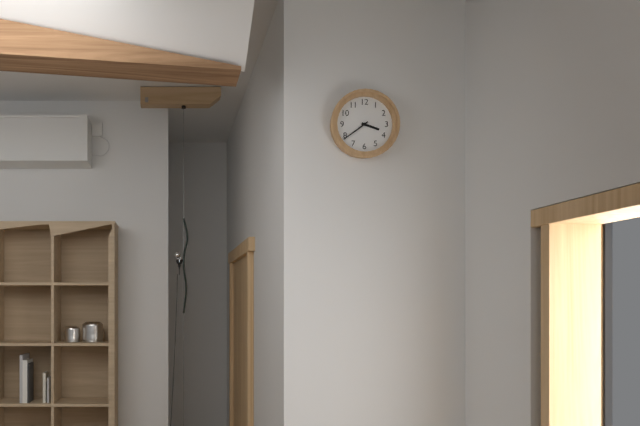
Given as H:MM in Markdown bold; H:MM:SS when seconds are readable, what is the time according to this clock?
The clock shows **3:39**
